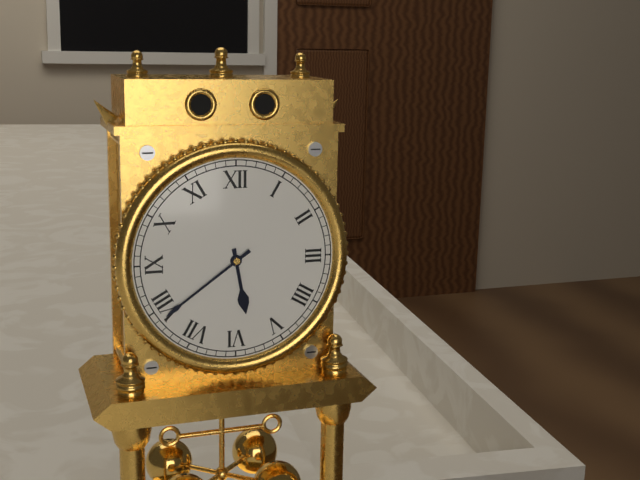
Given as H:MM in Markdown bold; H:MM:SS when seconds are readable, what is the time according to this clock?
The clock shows **5:39**
